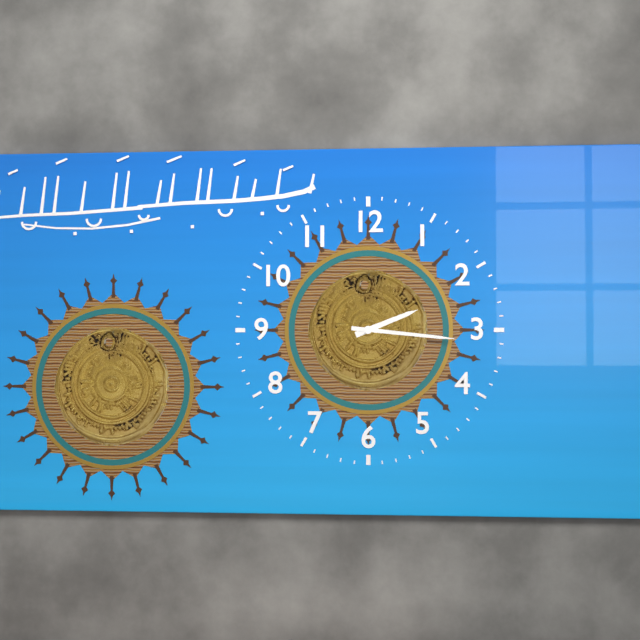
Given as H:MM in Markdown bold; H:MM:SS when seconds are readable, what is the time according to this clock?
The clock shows **2:16**
